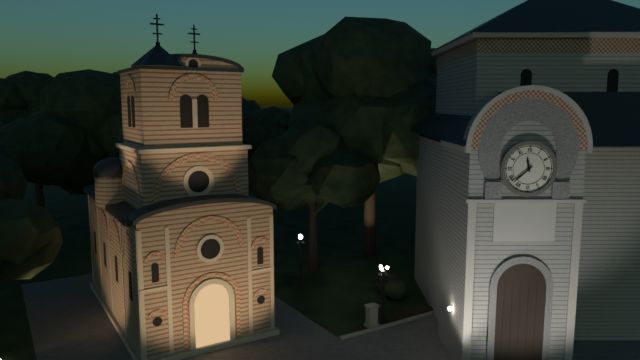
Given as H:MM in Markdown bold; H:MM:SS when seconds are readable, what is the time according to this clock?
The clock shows **11:38**
